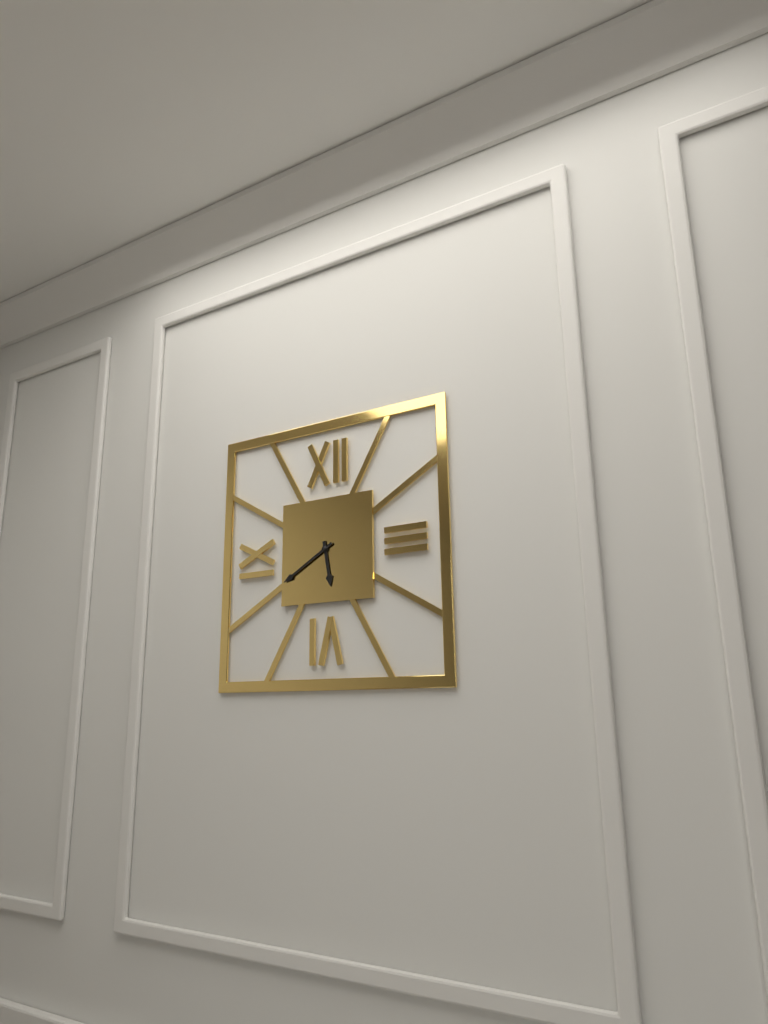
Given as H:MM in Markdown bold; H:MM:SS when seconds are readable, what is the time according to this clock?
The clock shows **5:40**
